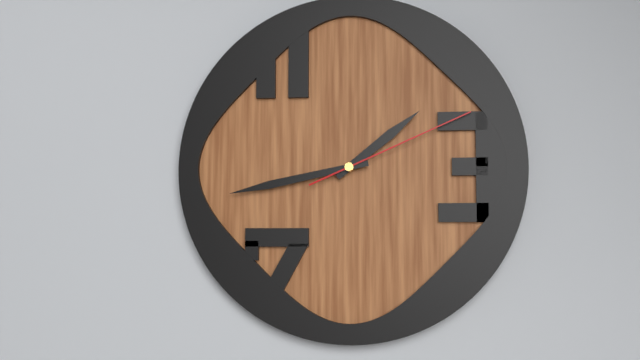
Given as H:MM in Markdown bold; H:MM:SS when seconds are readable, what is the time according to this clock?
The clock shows **1:43:11**
